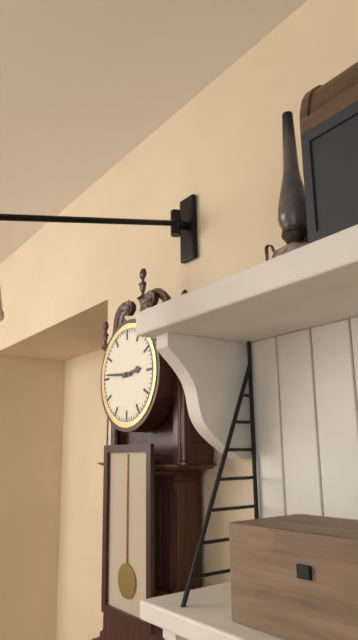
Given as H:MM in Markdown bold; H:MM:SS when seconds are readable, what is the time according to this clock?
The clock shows **2:46**
